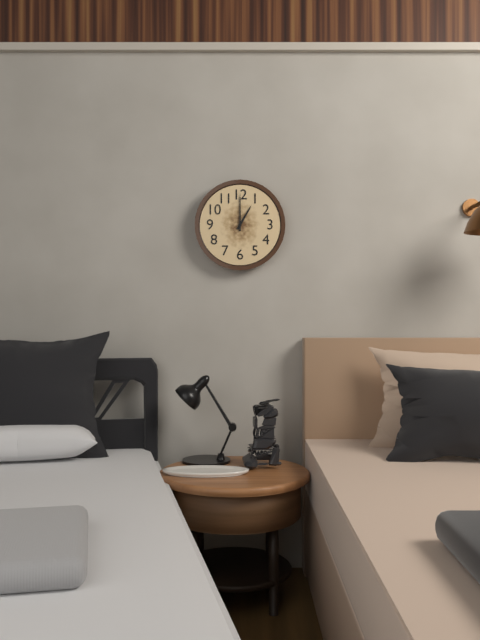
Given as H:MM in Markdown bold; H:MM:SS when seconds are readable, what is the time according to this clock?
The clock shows **1:00**
